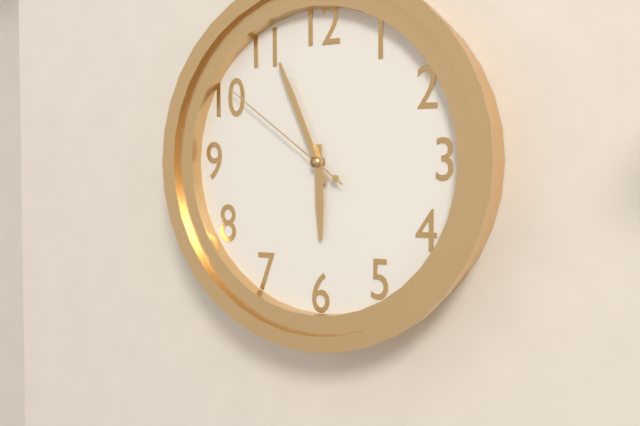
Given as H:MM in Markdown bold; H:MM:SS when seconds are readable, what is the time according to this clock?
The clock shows **5:56:51**
